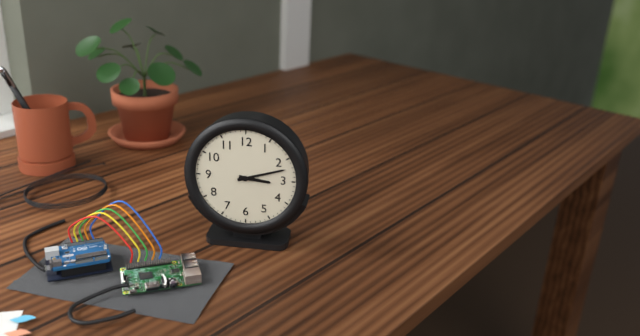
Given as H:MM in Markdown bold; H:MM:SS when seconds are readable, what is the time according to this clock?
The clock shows **3:12**
